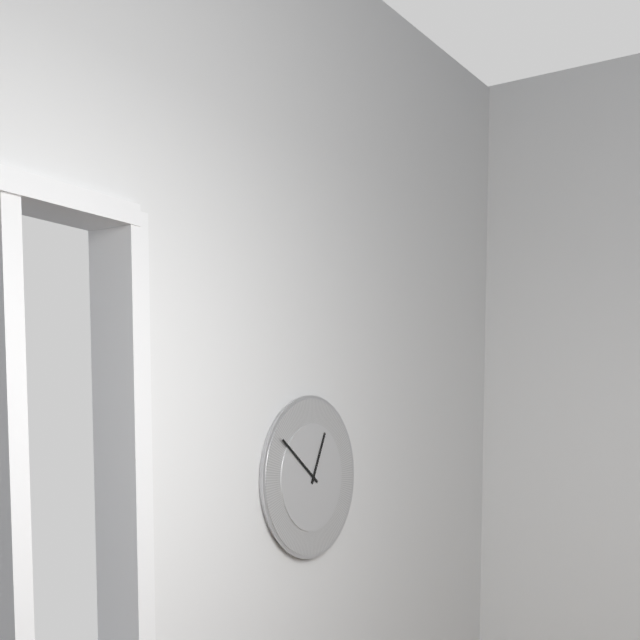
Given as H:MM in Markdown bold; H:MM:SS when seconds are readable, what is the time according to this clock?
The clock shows **12:51**
